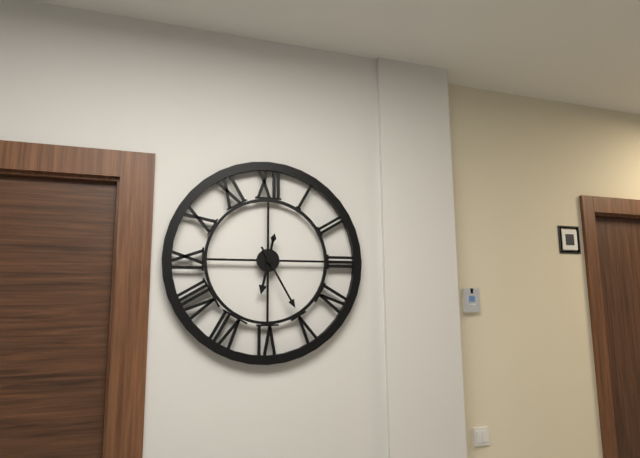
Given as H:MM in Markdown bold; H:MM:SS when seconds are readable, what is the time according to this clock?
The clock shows **6:25**
